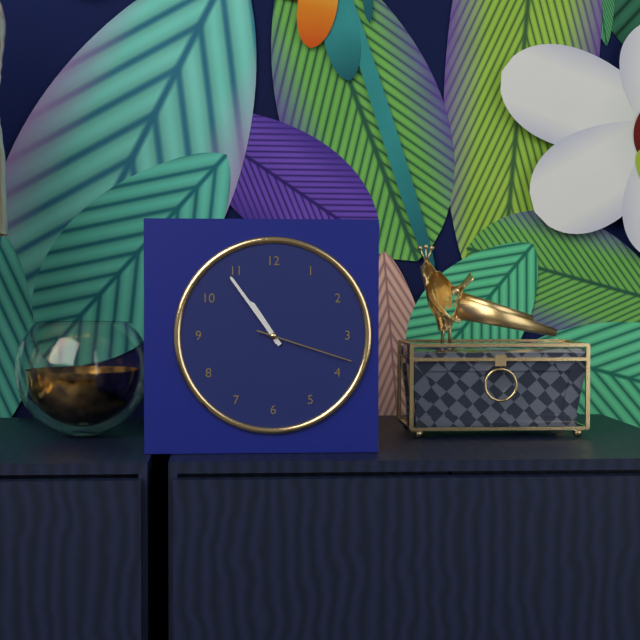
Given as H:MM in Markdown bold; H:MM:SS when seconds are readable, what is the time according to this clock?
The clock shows **10:54:18**
